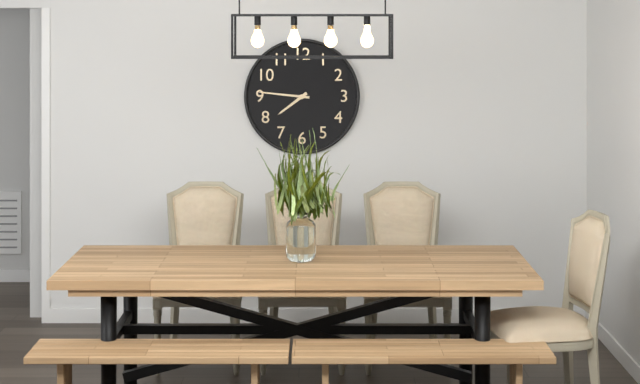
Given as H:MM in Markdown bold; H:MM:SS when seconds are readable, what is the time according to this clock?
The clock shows **7:46**
